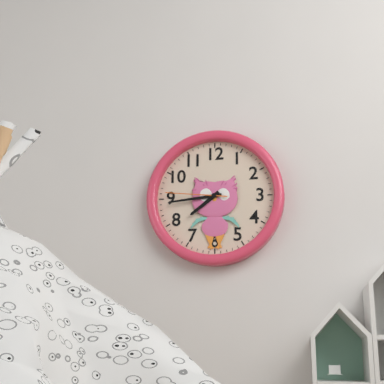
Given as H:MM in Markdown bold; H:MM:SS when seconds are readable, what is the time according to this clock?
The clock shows **7:44:46**
